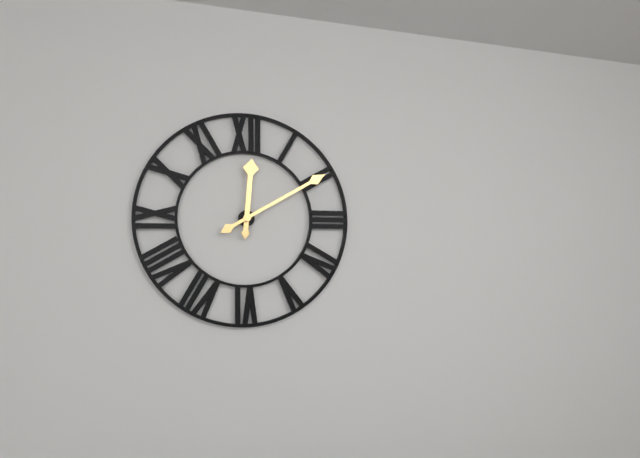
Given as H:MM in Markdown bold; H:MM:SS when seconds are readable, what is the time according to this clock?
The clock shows **12:10**
